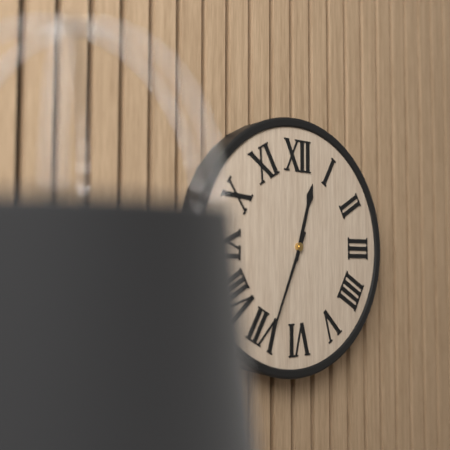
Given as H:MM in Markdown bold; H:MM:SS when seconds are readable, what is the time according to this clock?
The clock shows **12:34**
